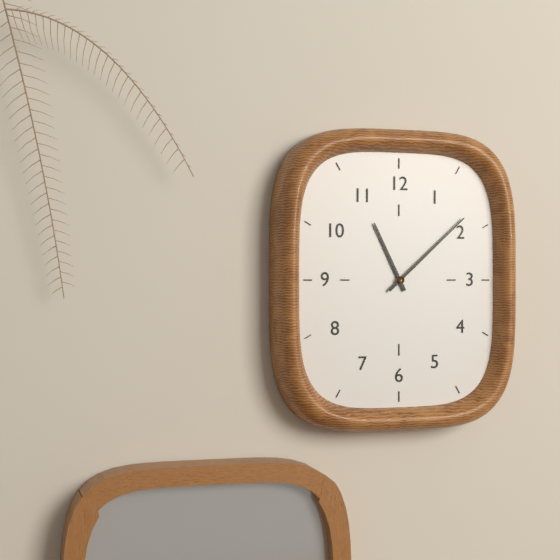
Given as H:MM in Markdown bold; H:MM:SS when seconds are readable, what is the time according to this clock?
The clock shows **11:08**
